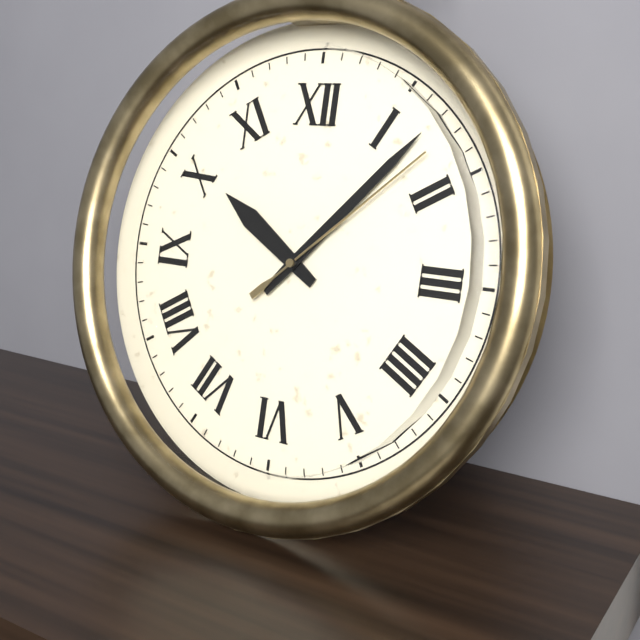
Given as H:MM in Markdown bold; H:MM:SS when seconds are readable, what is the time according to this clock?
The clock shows **10:07:08**
